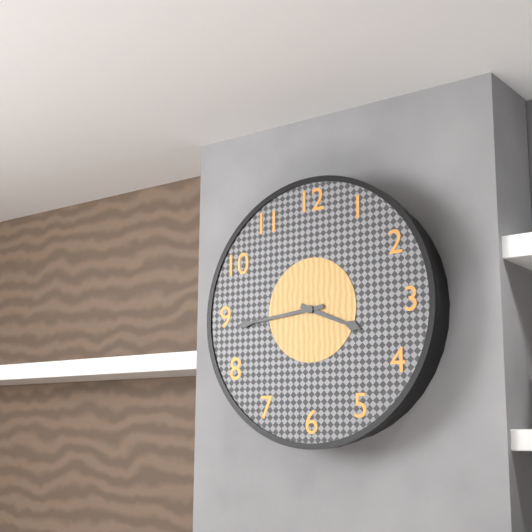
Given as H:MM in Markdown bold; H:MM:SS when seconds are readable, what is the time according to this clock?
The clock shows **3:44**
